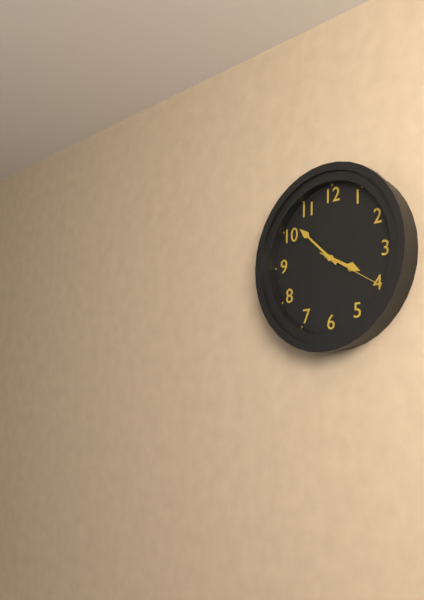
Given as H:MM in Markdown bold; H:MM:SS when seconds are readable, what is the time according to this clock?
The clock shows **3:52:20**
